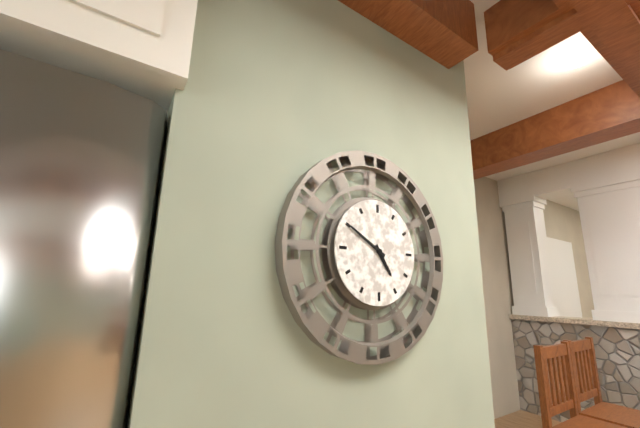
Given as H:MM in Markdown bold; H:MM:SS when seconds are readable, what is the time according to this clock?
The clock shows **4:50**
